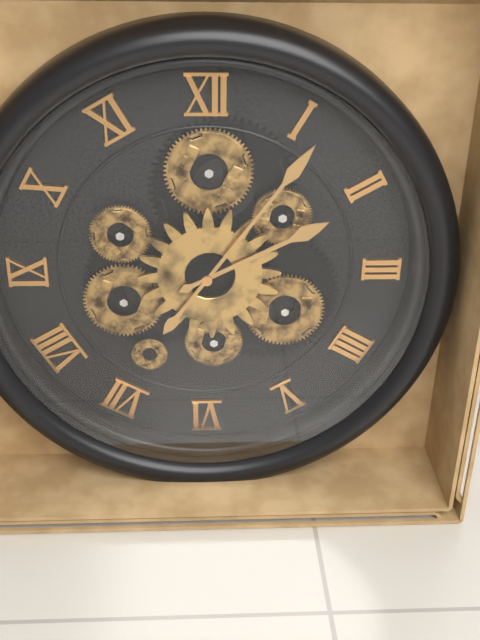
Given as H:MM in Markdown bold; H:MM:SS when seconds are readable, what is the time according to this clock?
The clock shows **2:06**
